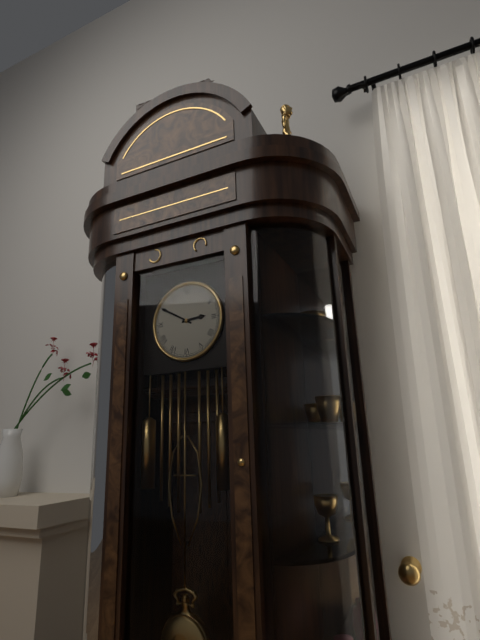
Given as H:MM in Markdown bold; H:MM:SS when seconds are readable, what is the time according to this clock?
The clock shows **2:50**
